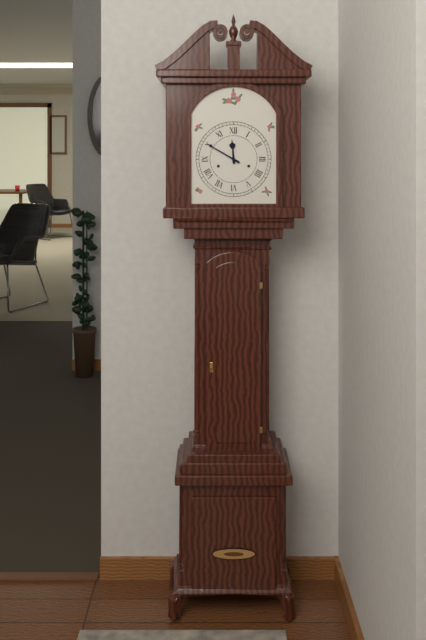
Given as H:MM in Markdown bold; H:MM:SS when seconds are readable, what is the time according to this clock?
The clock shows **11:50**
